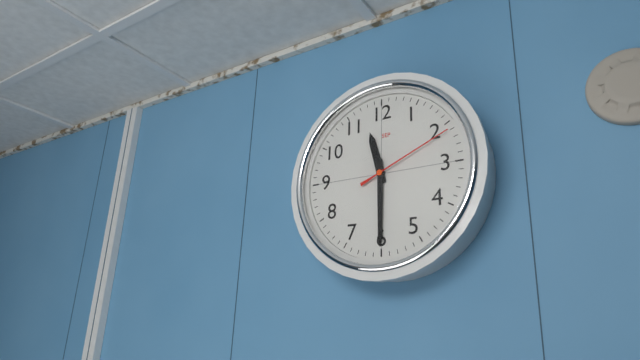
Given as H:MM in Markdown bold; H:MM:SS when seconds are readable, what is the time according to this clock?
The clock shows **11:30:11**
